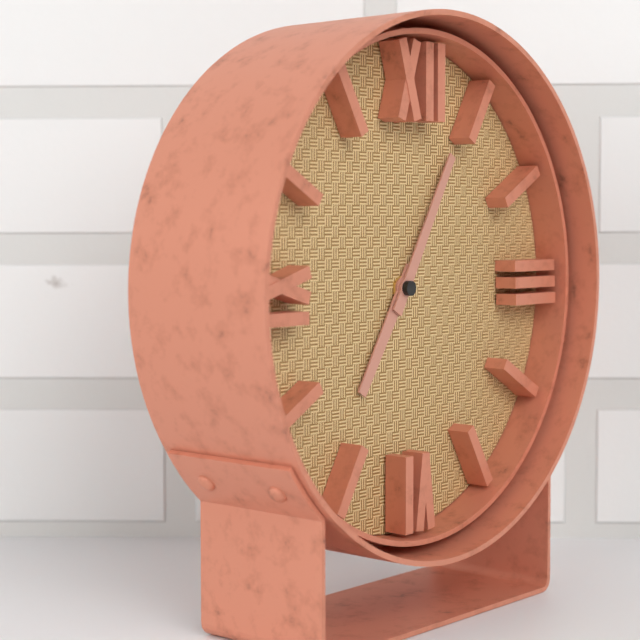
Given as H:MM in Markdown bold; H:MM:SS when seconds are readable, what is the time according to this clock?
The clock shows **7:05**
